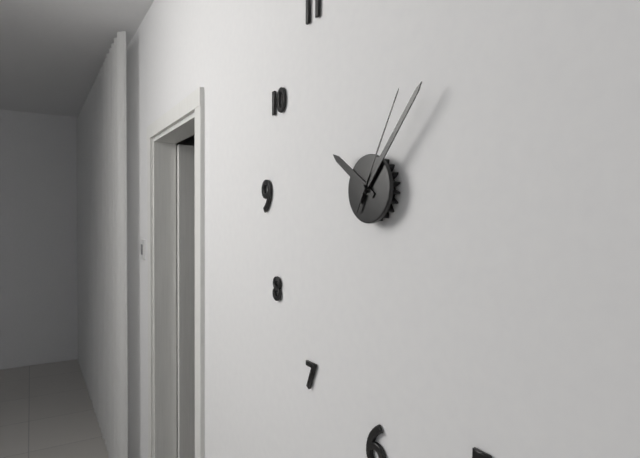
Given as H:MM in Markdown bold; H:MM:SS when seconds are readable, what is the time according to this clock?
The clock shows **10:07:05**
